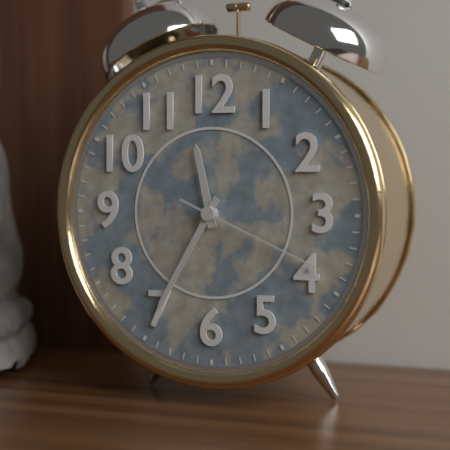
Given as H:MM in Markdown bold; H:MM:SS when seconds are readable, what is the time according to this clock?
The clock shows **11:35:19**
